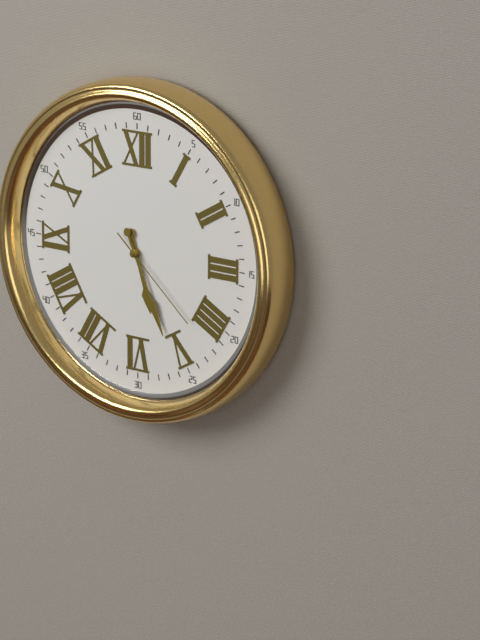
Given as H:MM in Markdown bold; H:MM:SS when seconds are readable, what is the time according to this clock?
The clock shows **5:26:22**
